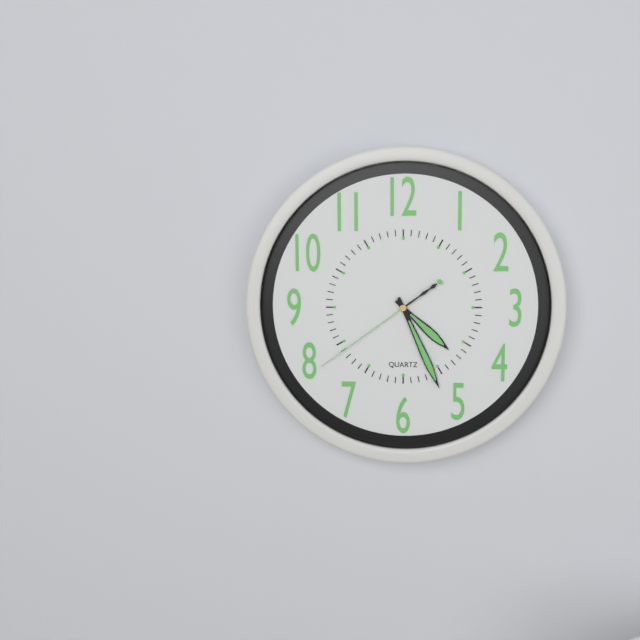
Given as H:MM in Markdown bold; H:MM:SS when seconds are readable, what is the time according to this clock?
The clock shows **4:26:39**
